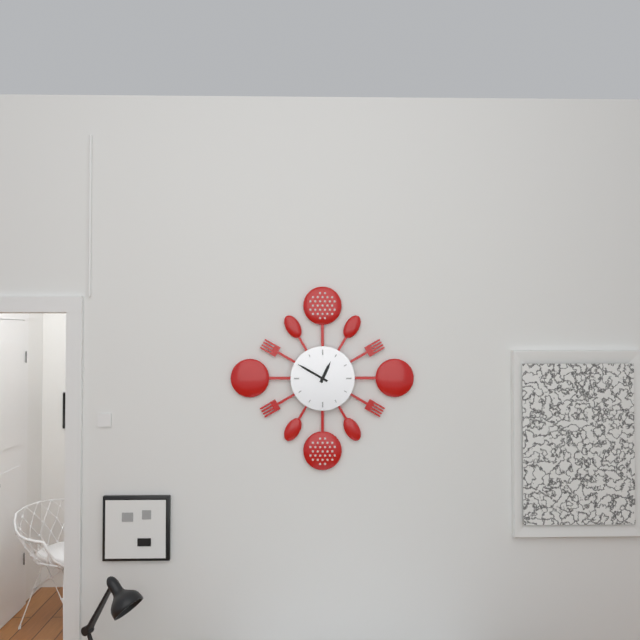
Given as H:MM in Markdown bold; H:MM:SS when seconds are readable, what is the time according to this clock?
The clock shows **12:50**
